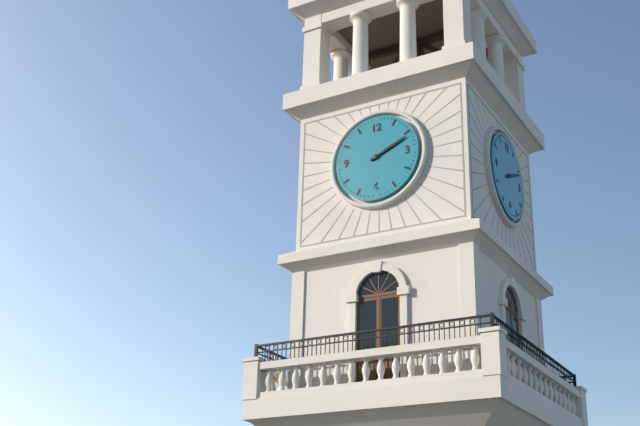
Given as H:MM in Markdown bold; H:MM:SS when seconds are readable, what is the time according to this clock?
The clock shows **2:11**
